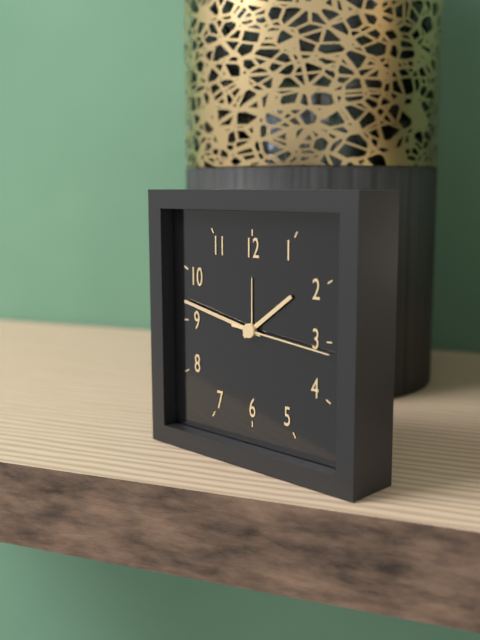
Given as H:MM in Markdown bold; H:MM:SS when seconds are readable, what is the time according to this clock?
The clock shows **1:47:16**
